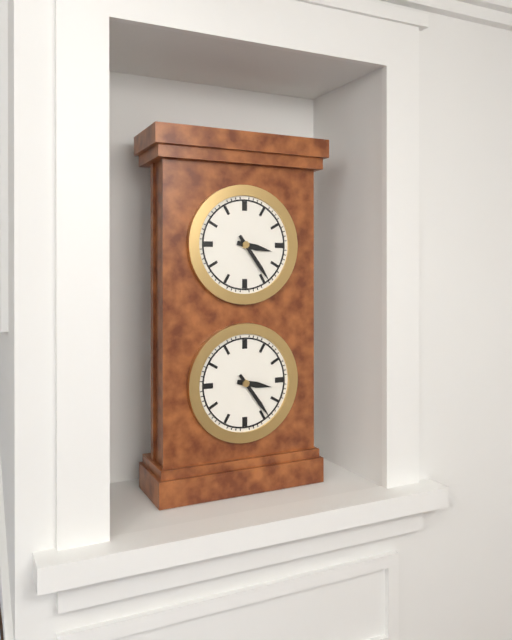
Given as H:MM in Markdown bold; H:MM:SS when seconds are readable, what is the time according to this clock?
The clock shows **3:24**
